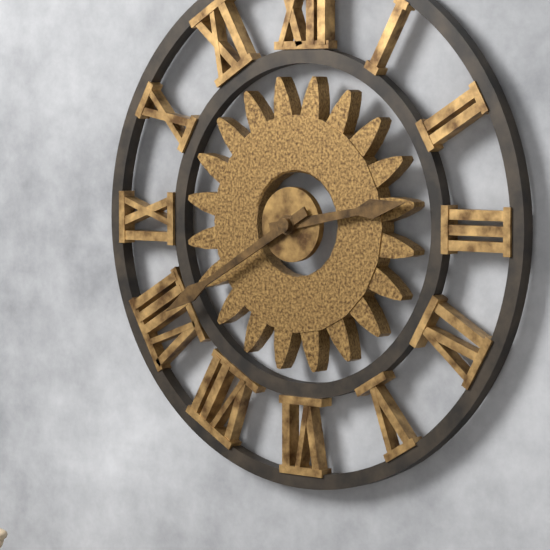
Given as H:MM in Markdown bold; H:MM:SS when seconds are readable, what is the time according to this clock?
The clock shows **2:40**
